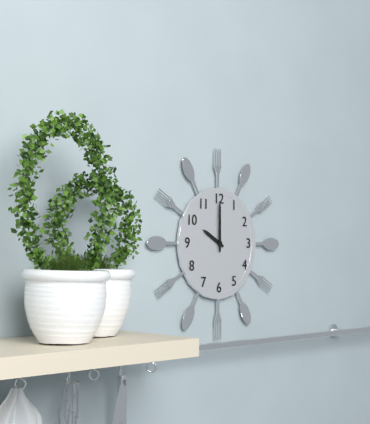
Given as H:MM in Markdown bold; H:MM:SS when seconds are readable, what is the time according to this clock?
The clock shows **10:00**
